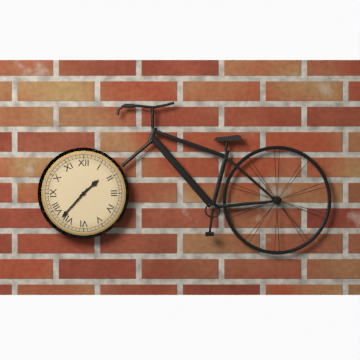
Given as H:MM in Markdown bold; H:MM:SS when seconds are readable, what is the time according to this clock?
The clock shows **1:37**
